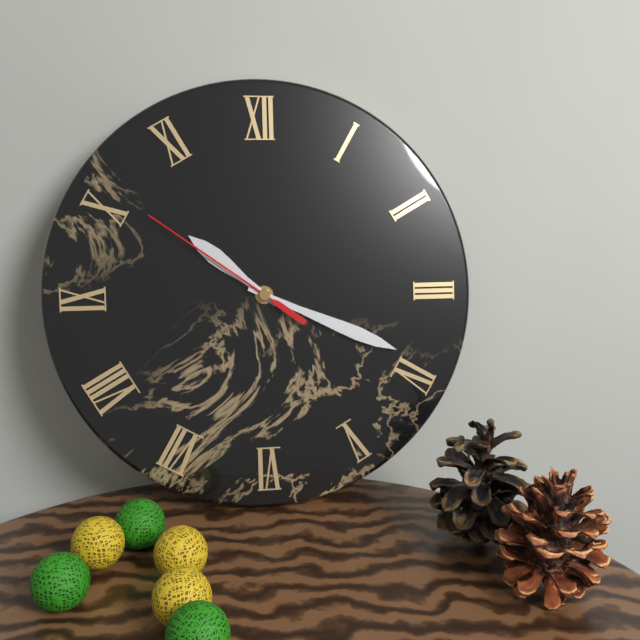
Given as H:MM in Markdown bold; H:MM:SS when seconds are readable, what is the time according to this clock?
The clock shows **10:19:51**
